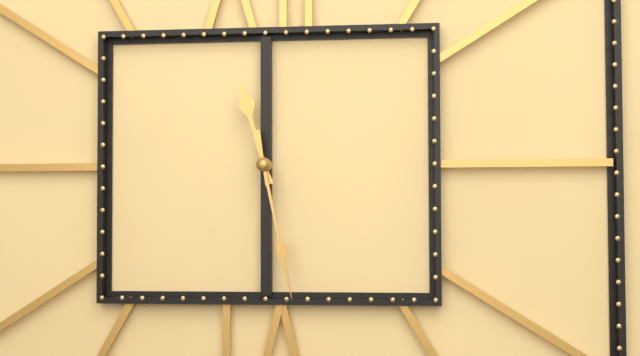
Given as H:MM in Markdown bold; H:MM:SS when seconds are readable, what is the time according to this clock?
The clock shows **11:28**
